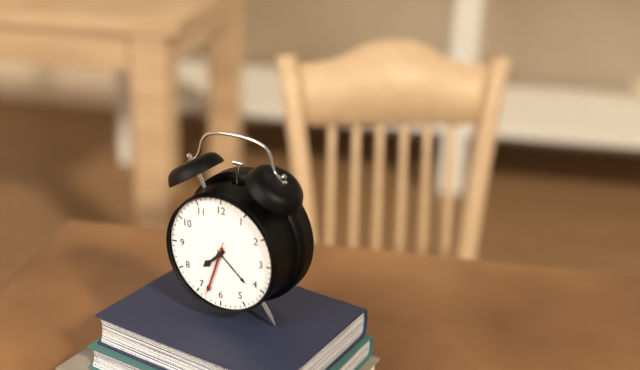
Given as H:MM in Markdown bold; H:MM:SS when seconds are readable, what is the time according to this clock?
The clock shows **7:33:33**
